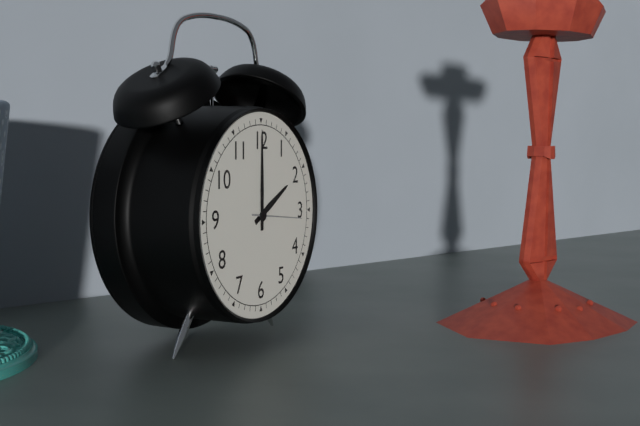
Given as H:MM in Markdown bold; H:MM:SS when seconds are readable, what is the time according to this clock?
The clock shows **2:00**
